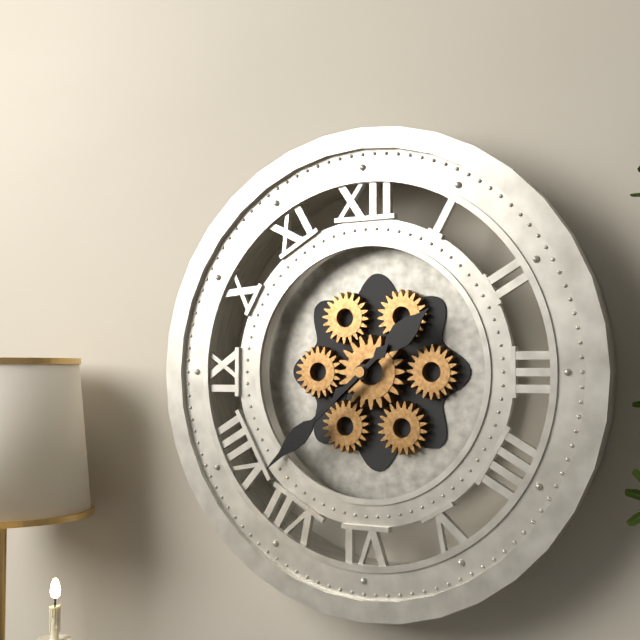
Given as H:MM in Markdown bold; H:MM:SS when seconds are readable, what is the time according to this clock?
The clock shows **1:38**
